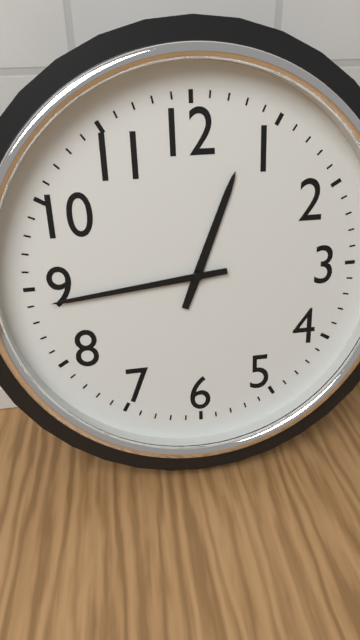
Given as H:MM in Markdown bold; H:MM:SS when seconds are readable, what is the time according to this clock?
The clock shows **12:44**
